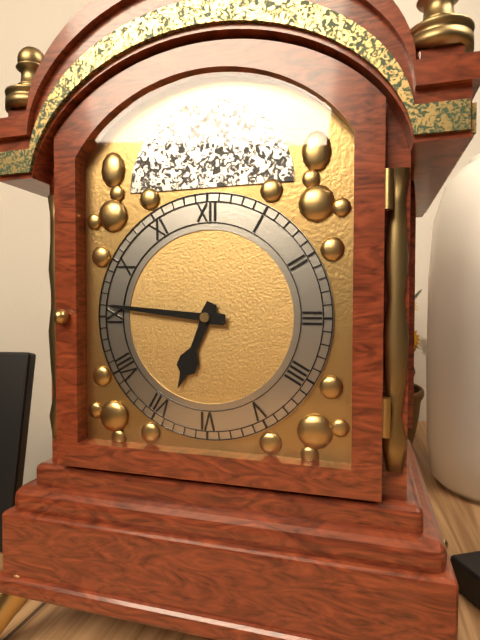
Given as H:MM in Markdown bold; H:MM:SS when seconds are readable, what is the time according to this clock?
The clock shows **6:46**
